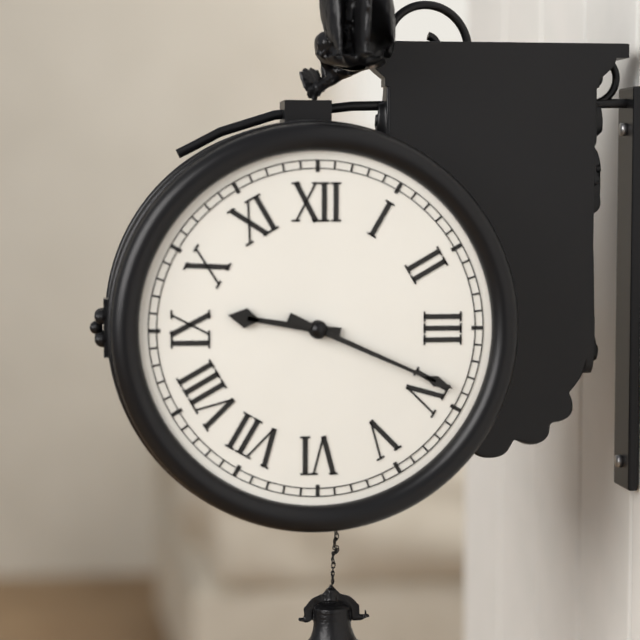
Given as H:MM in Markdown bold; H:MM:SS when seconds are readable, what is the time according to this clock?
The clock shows **9:19**
